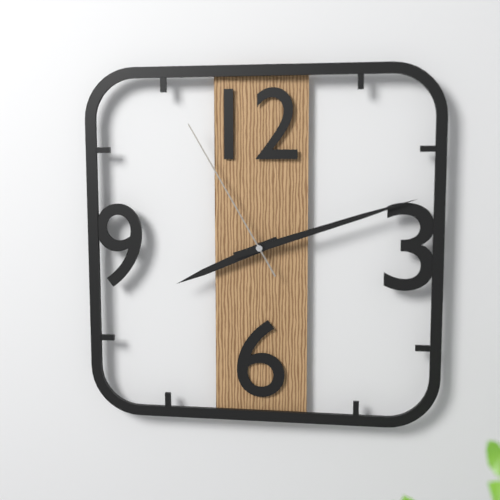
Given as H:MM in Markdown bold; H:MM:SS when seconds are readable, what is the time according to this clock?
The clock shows **8:12:55**
